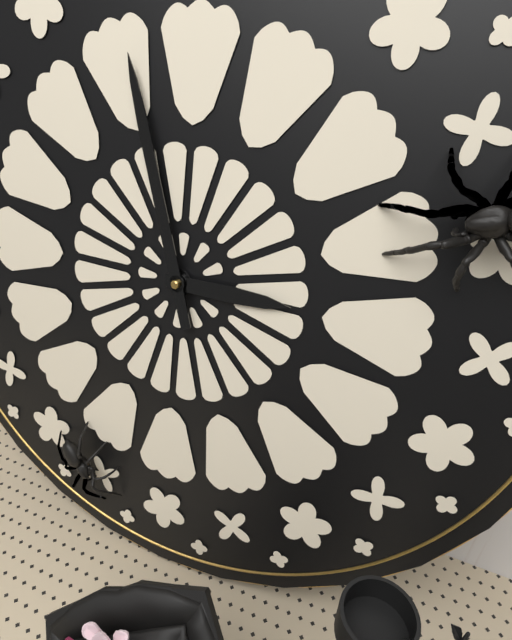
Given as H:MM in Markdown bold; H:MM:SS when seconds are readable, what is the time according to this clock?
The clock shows **2:57**
